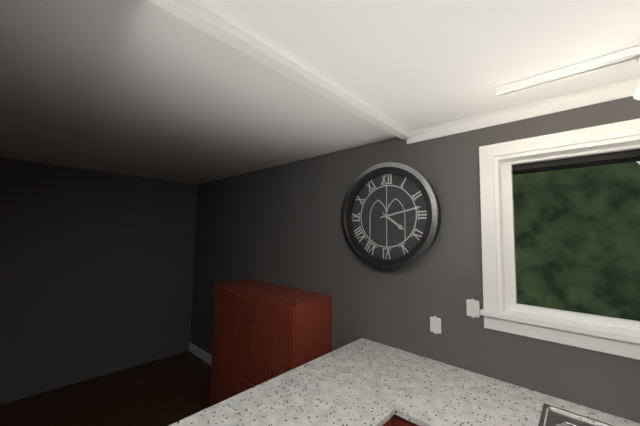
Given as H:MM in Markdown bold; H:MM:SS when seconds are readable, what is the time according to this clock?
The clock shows **4:13**
